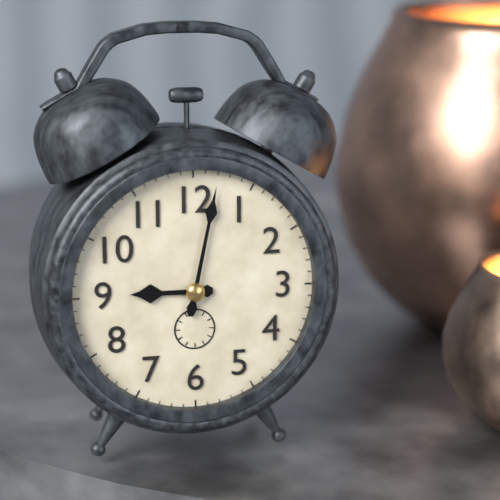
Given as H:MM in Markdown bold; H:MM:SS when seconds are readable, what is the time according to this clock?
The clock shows **9:02**
